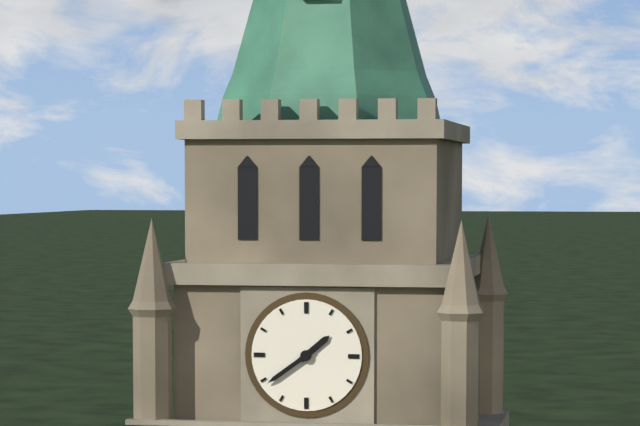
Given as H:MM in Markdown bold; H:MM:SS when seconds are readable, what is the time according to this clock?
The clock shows **1:39**
